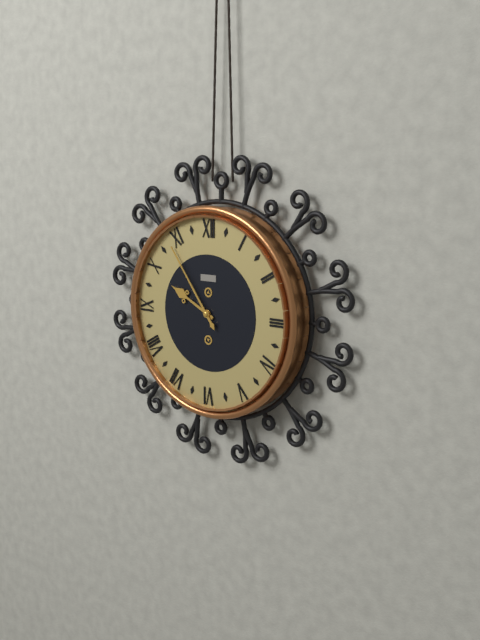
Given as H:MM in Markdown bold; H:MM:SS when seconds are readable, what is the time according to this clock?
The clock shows **9:54**
